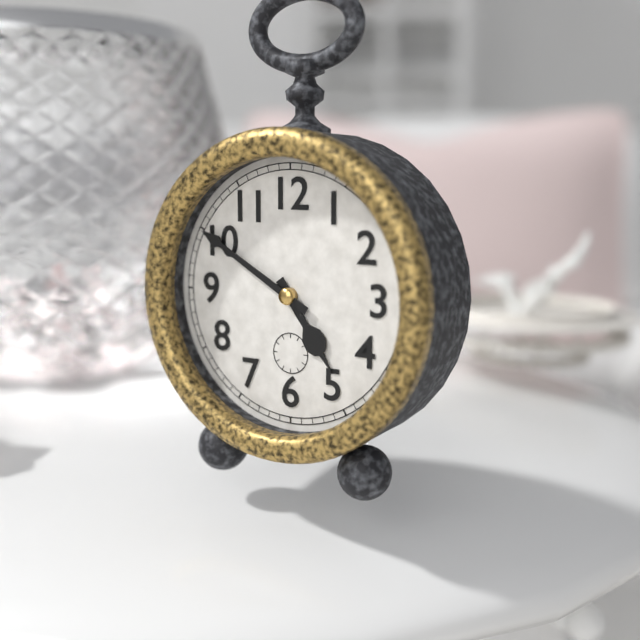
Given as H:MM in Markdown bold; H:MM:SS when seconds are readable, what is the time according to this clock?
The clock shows **4:50**
